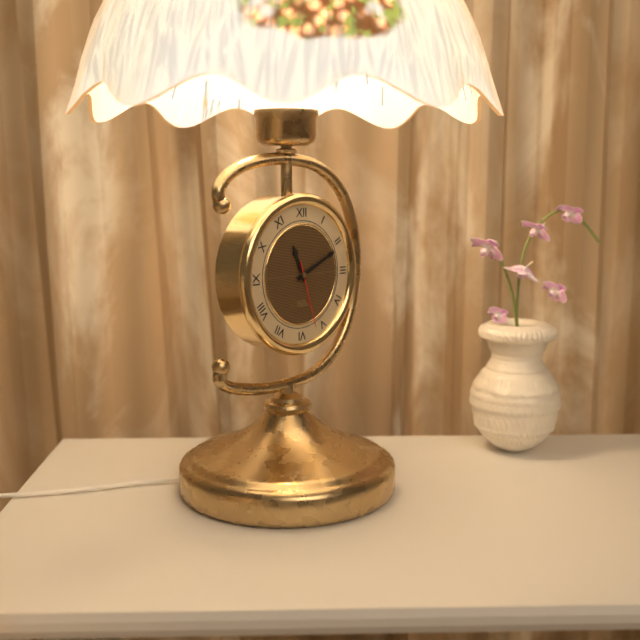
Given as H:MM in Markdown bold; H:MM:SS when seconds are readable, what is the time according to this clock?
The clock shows **11:11:27**
